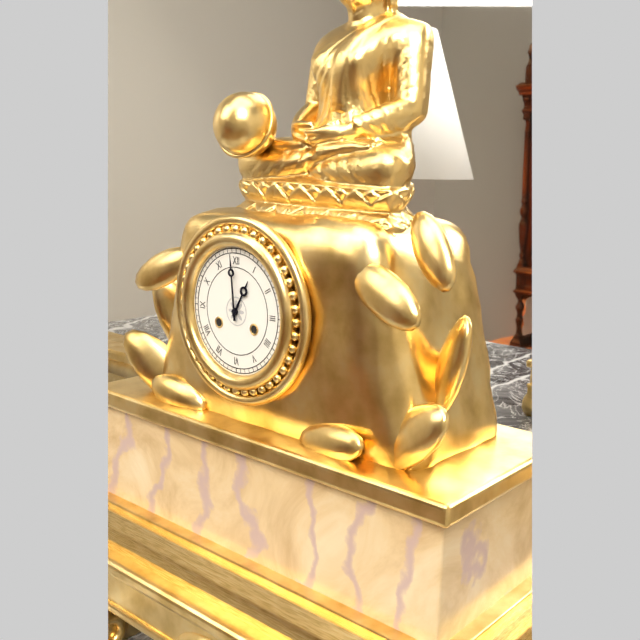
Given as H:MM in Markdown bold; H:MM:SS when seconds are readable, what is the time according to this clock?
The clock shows **12:59**
